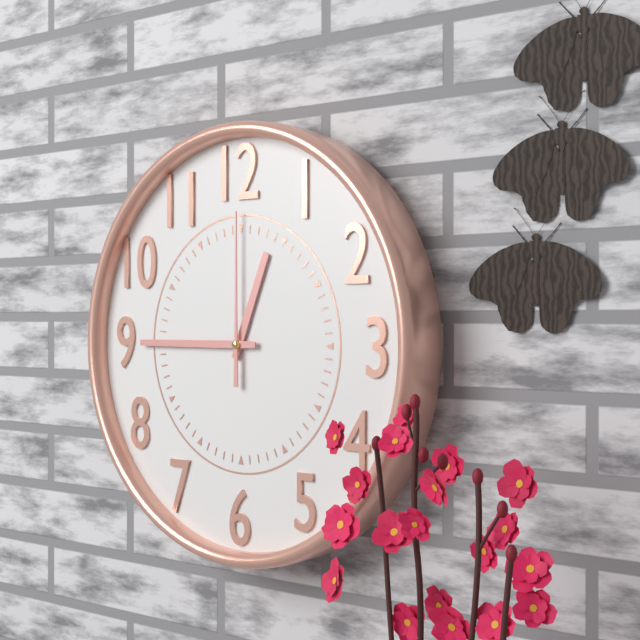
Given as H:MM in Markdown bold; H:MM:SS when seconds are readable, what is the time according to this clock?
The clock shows **12:45:00**
